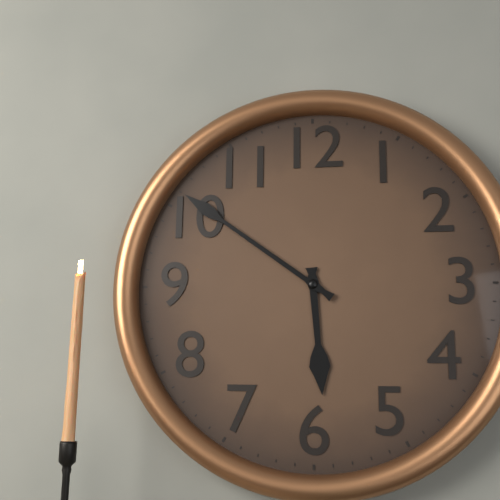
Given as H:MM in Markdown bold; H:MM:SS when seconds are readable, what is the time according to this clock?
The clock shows **5:51**
